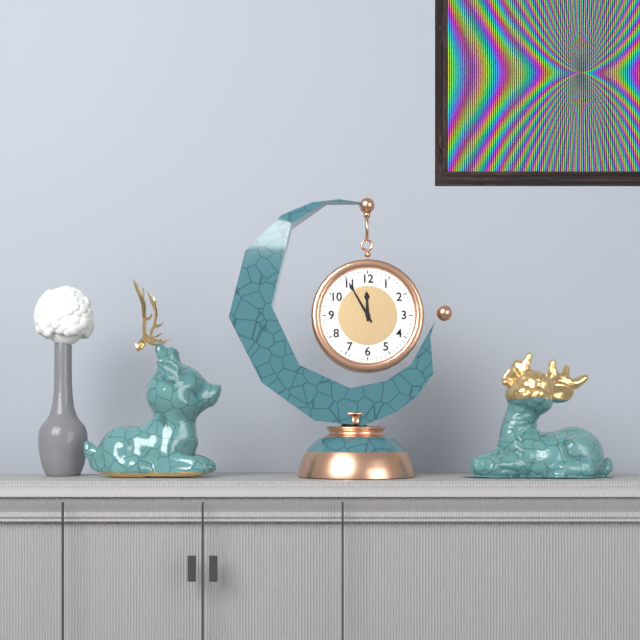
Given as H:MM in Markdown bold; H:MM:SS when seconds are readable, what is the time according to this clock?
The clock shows **11:55**
